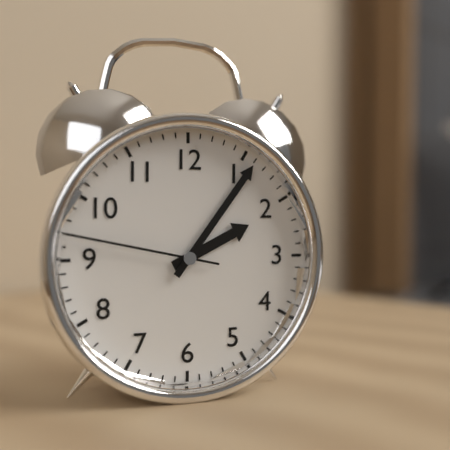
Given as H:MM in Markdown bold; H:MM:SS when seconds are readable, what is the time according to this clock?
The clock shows **2:06:47**
